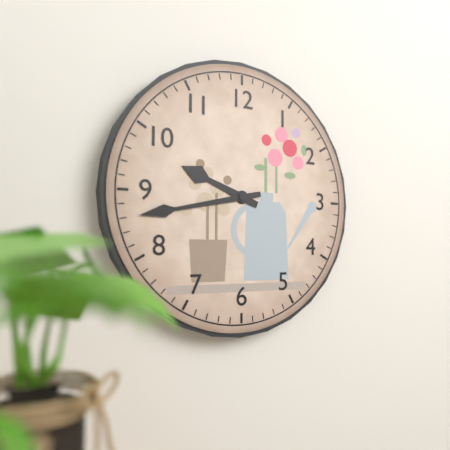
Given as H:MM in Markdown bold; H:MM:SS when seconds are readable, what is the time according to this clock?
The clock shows **9:43**
